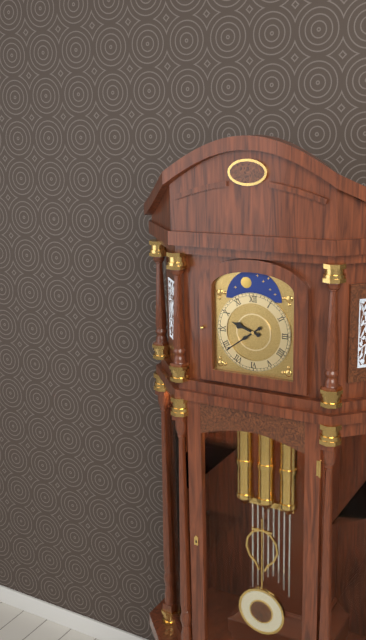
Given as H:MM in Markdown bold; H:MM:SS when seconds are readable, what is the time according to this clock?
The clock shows **9:39**
